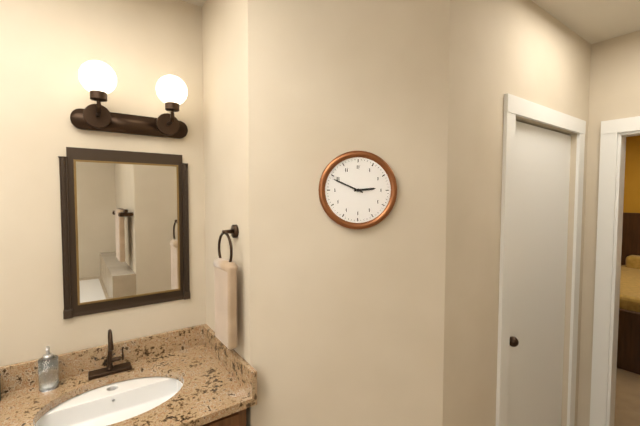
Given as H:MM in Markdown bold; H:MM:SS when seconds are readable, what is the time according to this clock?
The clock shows **2:49**
